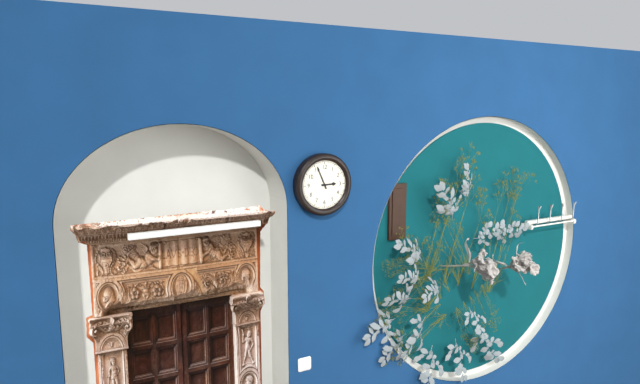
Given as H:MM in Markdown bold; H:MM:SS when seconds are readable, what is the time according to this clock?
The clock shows **2:56**
